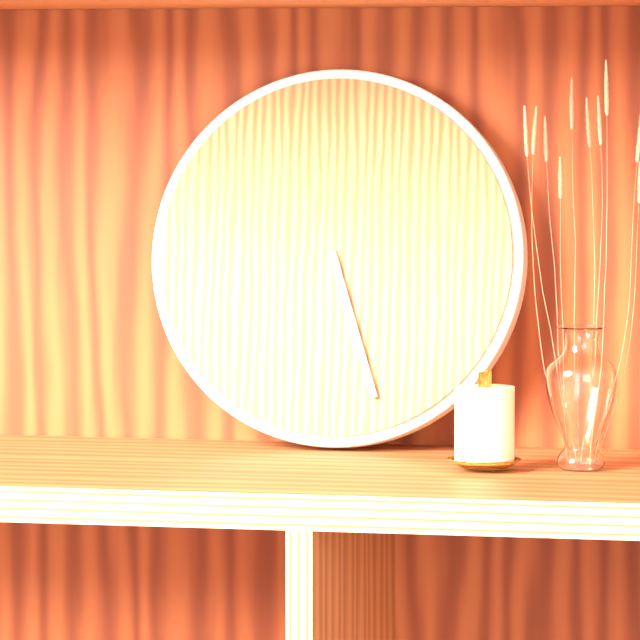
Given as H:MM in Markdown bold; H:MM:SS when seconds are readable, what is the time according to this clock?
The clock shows **5:27**
